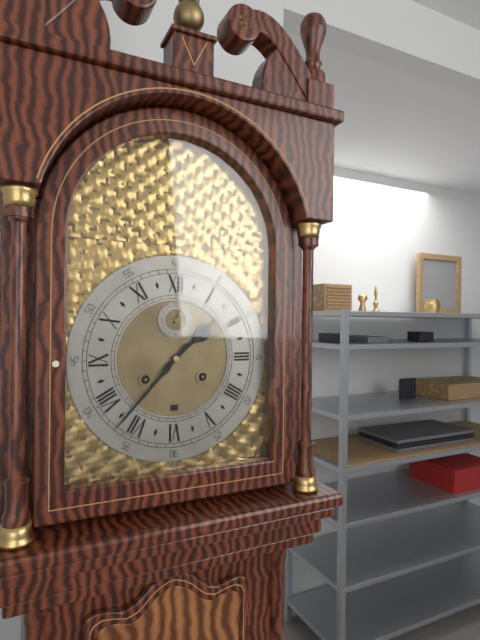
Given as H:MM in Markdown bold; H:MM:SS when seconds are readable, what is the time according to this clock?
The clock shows **1:37**
